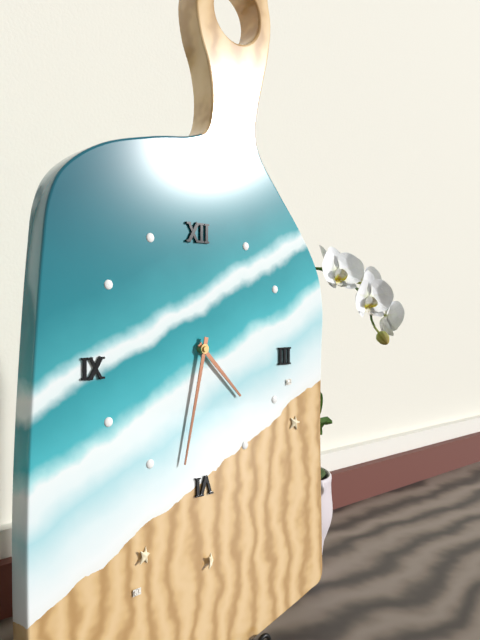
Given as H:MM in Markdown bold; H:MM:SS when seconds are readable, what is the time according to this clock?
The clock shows **4:32**
